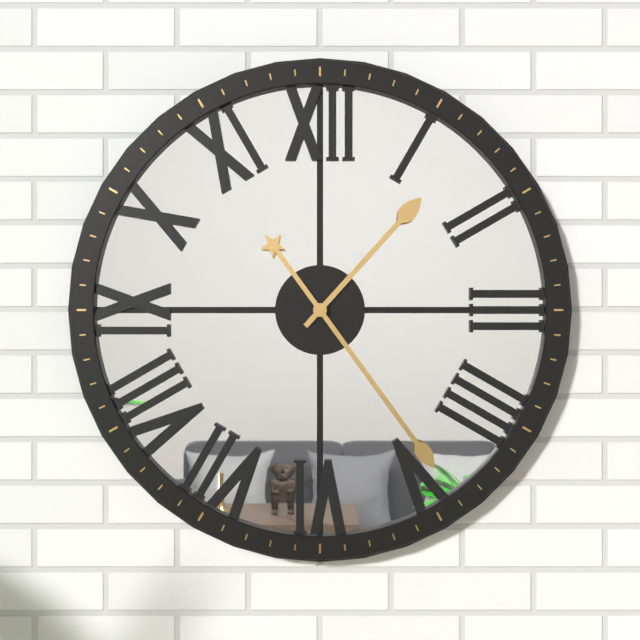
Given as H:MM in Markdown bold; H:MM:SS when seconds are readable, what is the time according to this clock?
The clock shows **1:24**
